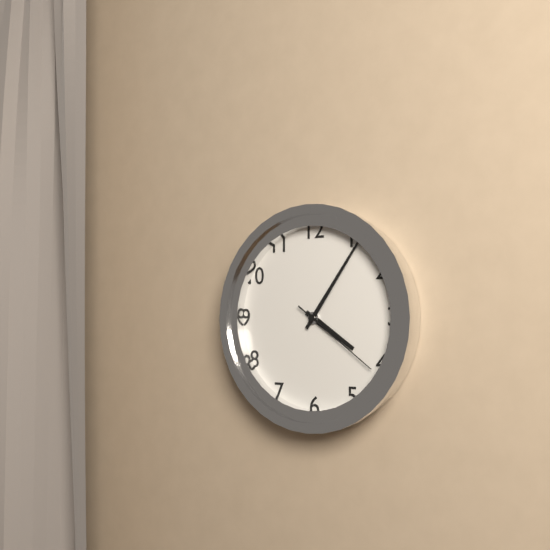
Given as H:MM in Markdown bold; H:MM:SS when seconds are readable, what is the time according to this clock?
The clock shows **4:06:21**
